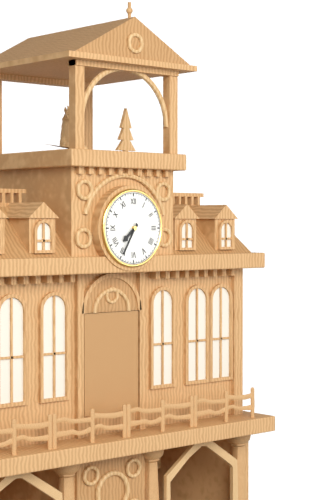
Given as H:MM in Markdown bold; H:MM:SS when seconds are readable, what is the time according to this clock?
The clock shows **7:35**
